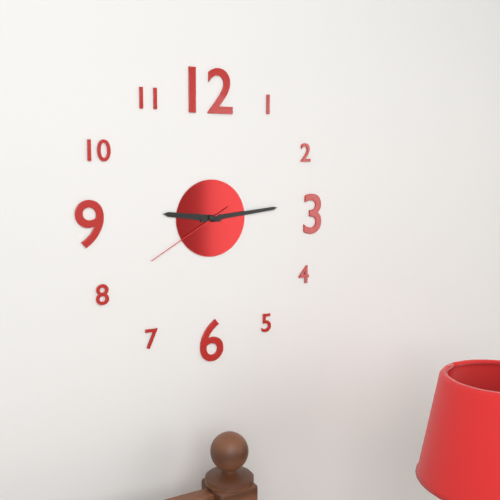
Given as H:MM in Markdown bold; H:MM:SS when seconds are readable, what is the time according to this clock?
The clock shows **9:14:40**
